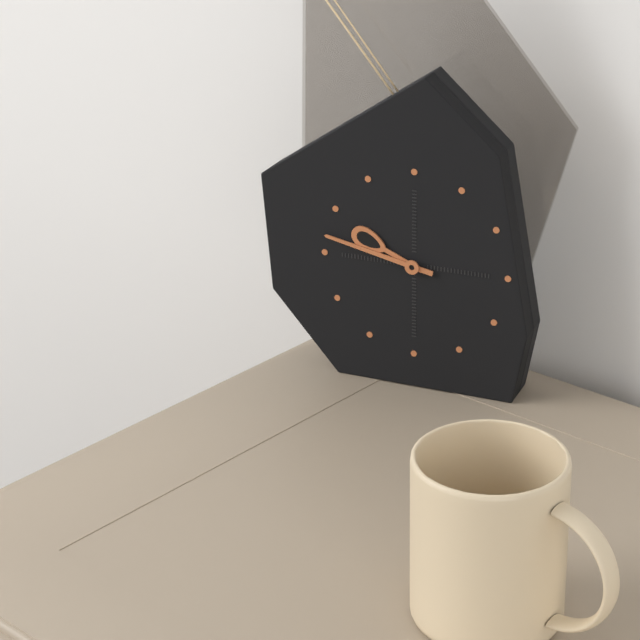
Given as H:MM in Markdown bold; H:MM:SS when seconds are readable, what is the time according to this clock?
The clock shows **9:47**
